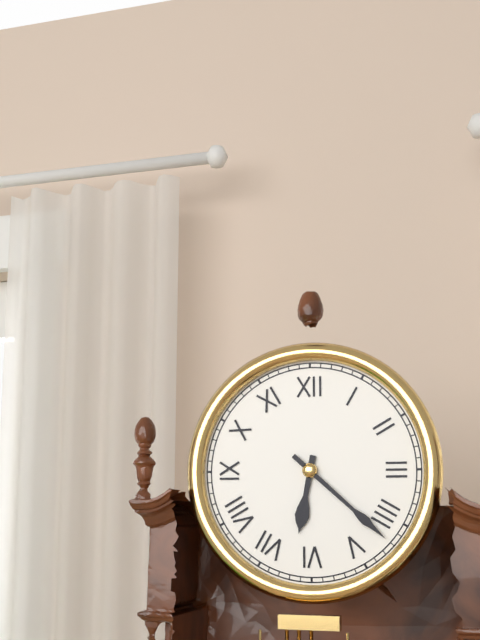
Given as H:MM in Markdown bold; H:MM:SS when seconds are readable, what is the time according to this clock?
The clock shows **6:22**
